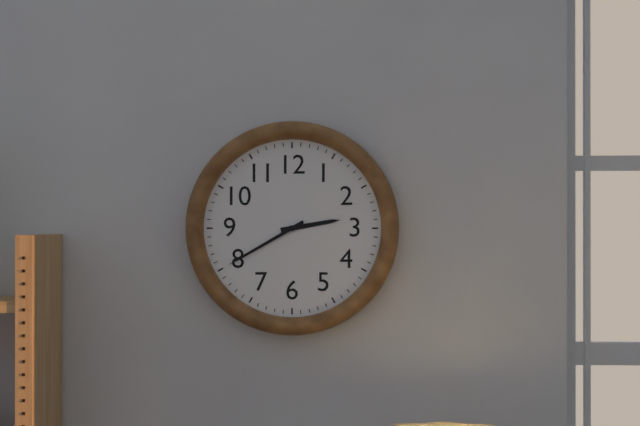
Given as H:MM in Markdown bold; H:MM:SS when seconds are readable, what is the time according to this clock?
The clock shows **2:40**
